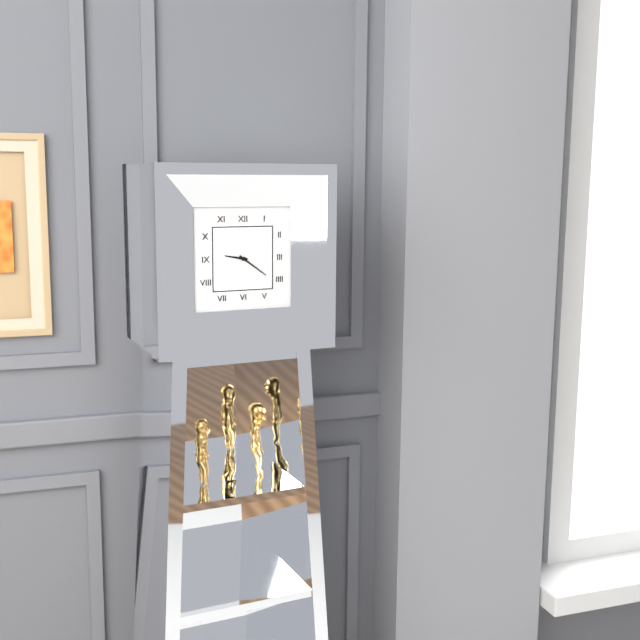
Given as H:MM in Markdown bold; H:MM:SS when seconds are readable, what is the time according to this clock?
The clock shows **9:21**
